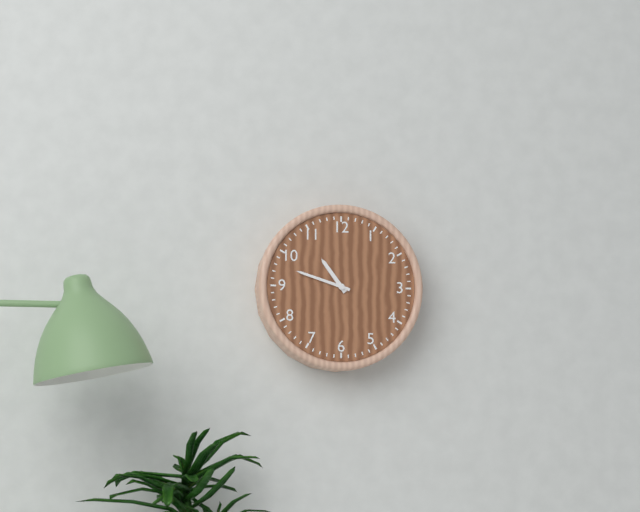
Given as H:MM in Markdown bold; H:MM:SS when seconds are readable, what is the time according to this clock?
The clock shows **10:48**
